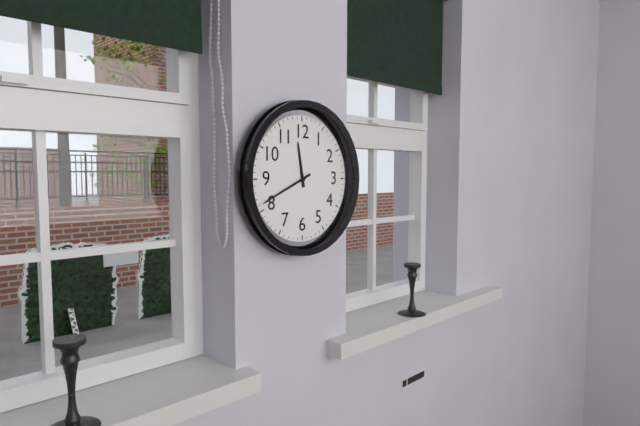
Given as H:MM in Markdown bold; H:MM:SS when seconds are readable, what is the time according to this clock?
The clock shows **11:41**
